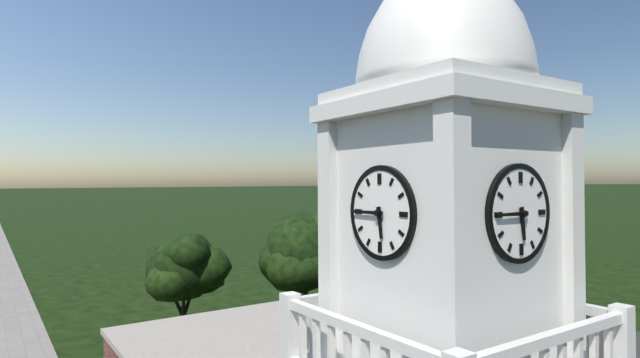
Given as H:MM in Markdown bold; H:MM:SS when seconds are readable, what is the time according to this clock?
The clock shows **5:45**
